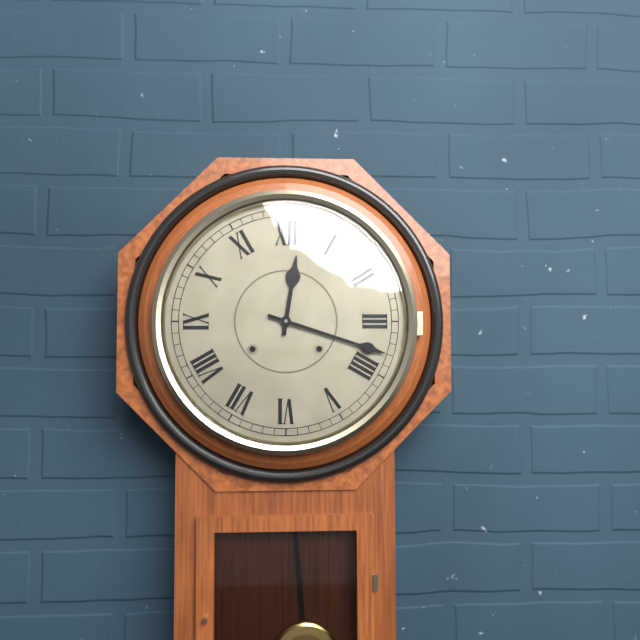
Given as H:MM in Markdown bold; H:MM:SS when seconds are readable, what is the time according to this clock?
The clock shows **12:18**
